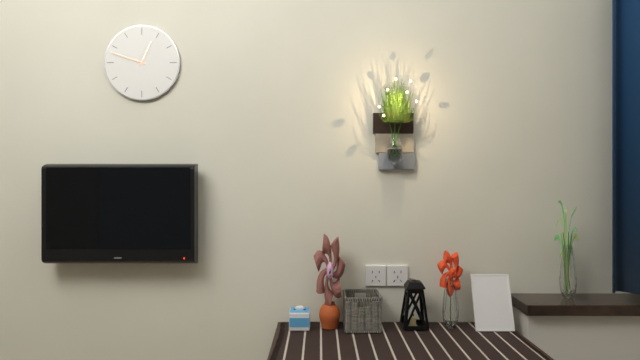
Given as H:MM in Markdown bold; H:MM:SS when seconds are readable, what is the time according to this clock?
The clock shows **12:48**
